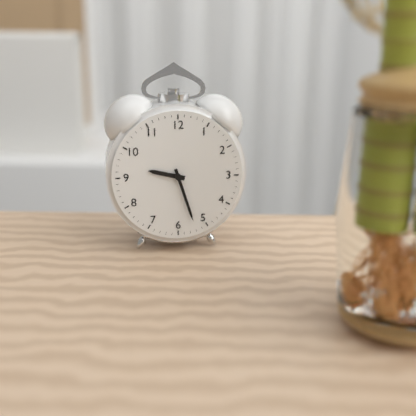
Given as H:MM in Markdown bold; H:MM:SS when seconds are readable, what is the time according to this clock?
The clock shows **9:27**
